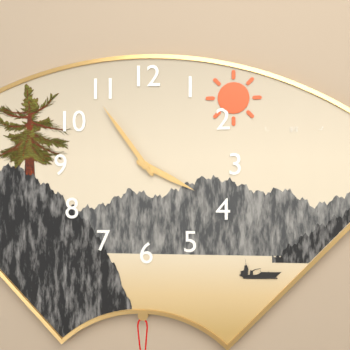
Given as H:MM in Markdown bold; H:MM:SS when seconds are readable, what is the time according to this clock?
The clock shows **3:54**
